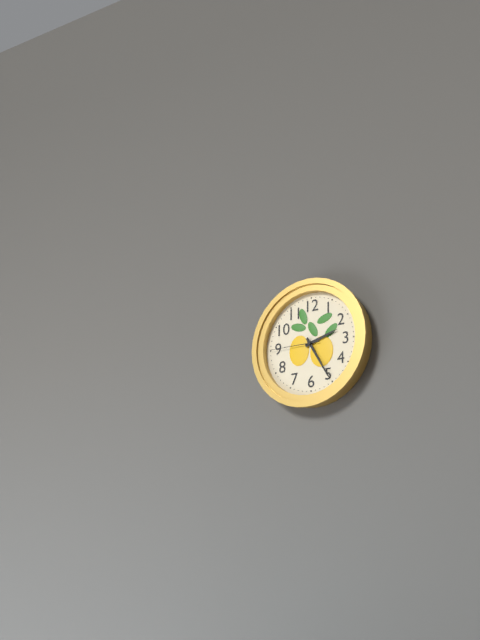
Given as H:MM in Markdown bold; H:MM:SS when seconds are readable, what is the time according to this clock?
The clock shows **2:25:45**
